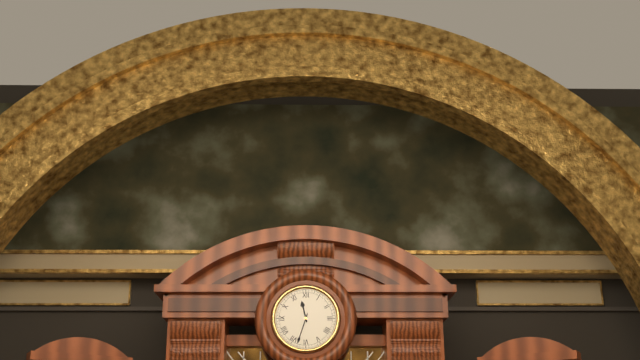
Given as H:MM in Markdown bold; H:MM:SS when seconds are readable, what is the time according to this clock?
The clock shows **11:33**
